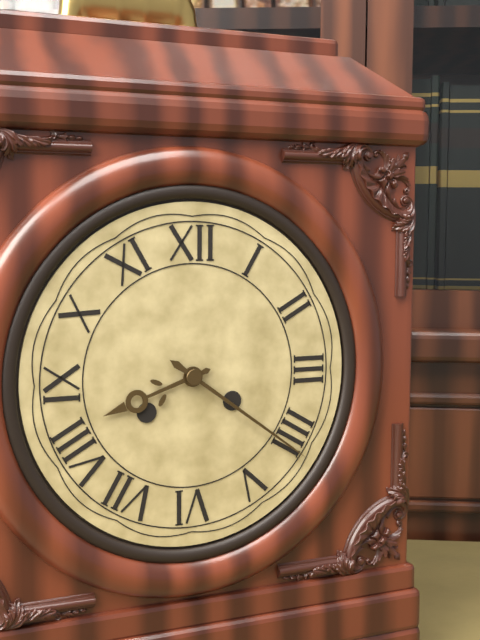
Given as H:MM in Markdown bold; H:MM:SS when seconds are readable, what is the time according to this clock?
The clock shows **8:21**
